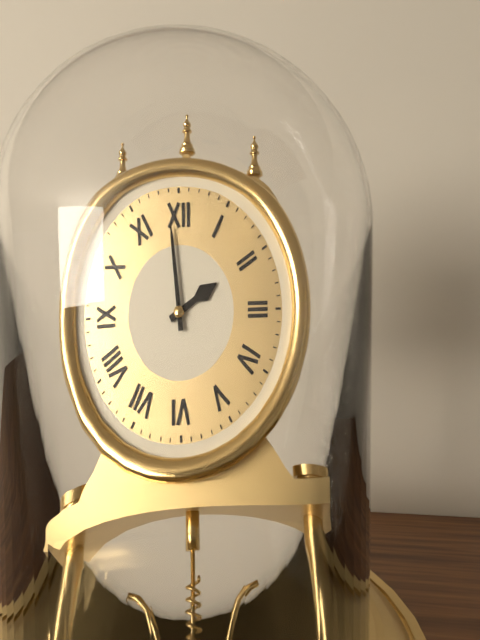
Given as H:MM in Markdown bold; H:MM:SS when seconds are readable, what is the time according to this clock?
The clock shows **1:59**
